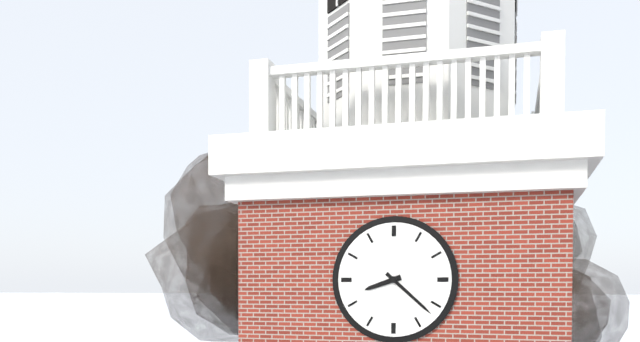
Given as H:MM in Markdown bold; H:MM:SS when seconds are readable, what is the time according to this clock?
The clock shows **8:22**
